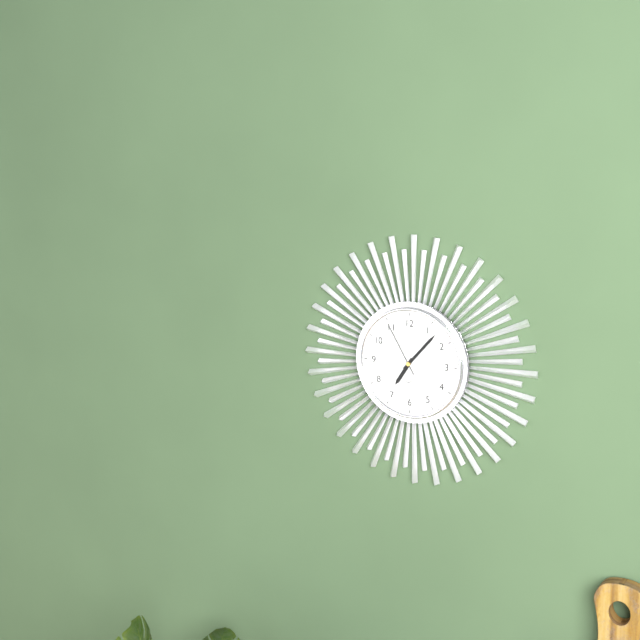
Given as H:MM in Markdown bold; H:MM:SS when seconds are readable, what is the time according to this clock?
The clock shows **7:07:55**
